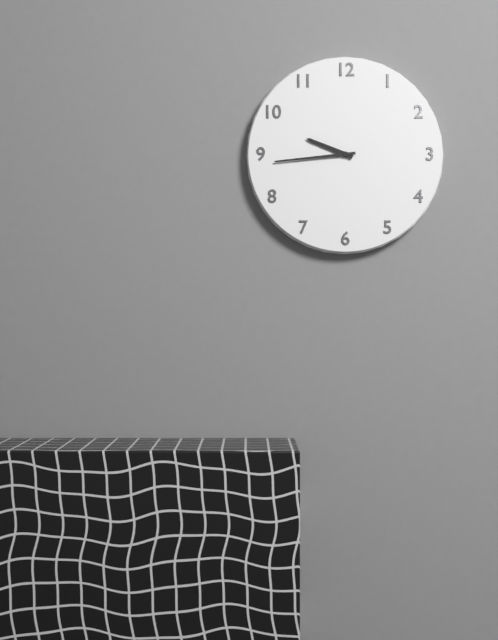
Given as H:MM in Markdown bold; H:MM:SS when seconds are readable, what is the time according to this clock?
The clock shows **9:44**
